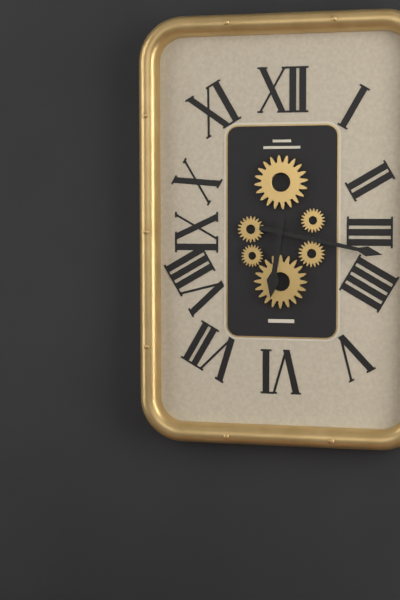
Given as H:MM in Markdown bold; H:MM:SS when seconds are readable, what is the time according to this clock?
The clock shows **6:17**
